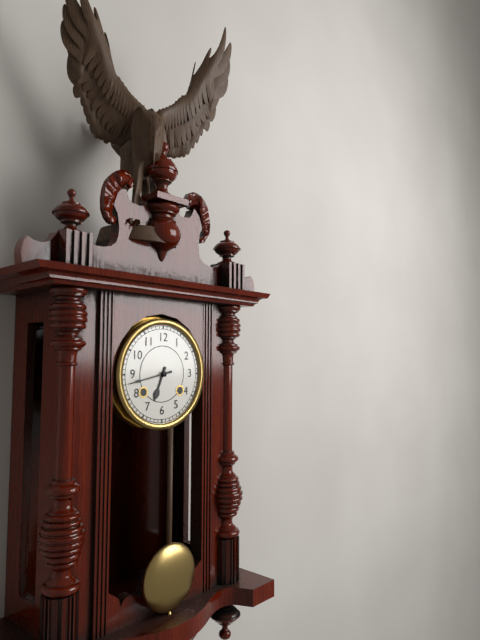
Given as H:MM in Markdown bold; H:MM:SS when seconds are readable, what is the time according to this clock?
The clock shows **6:43**
